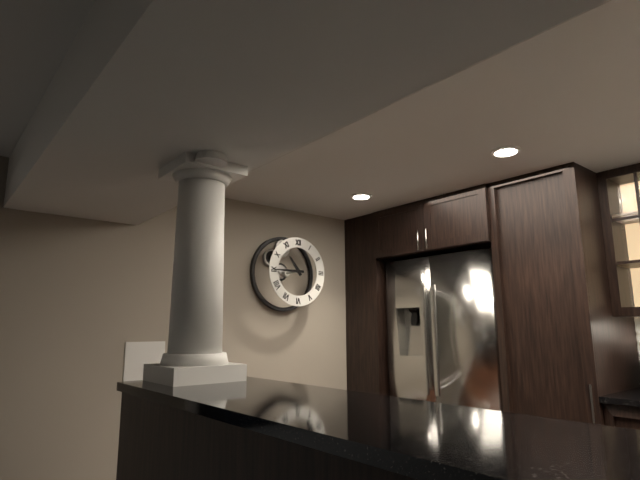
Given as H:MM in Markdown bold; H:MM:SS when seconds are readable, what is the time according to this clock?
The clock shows **10:45**
